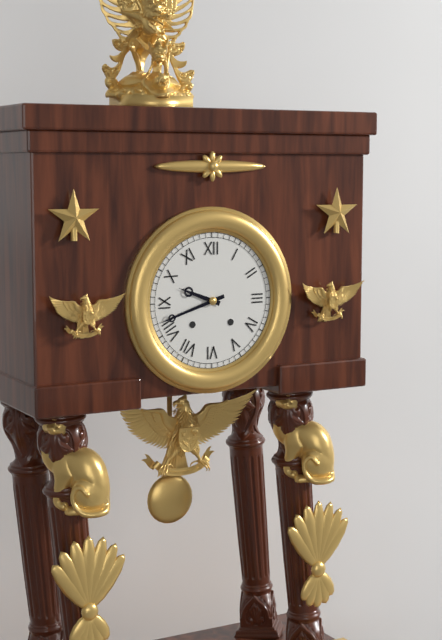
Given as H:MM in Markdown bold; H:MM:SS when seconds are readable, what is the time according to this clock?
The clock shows **9:42**
